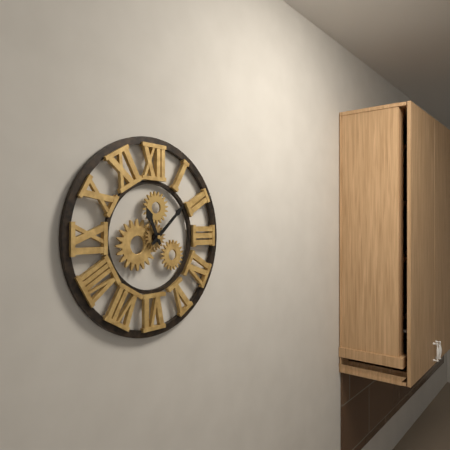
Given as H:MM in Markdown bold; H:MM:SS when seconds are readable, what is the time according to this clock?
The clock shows **11:08**
